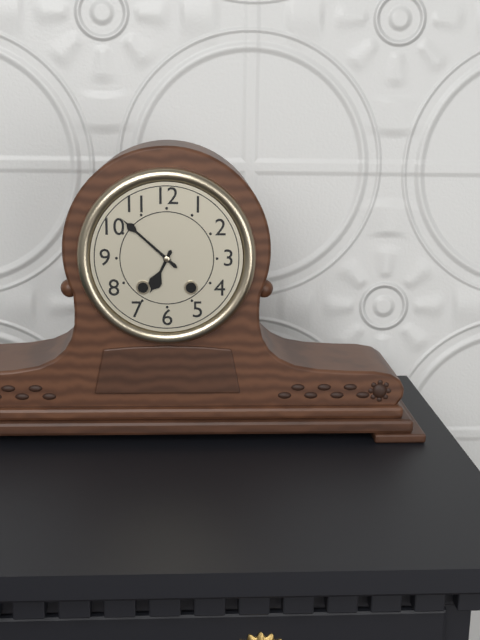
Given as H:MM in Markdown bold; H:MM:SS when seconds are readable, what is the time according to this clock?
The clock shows **6:52**
